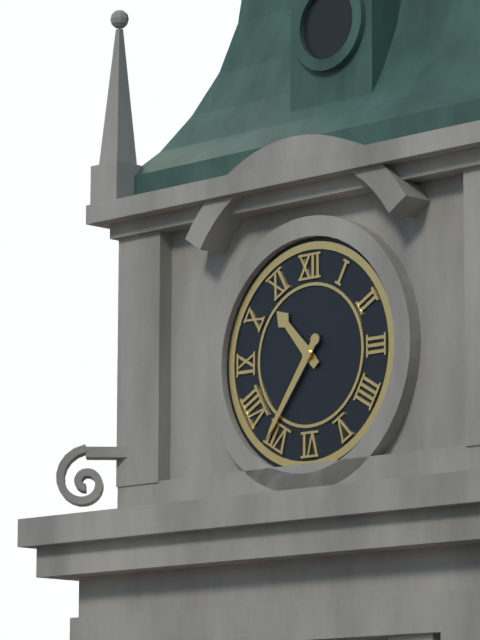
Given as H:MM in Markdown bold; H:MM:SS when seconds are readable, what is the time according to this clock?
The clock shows **10:36**
